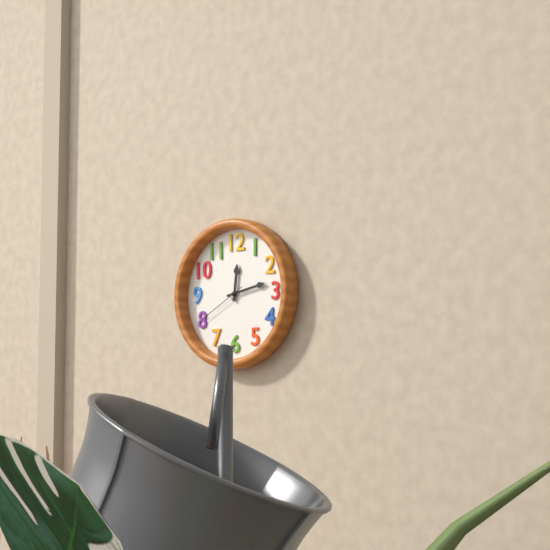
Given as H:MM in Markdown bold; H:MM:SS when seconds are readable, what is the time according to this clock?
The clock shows **12:13:40**
